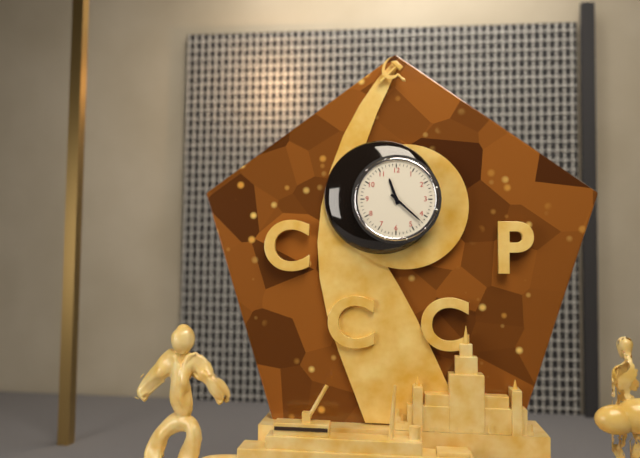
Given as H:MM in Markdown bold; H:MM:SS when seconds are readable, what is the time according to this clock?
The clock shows **11:22**
